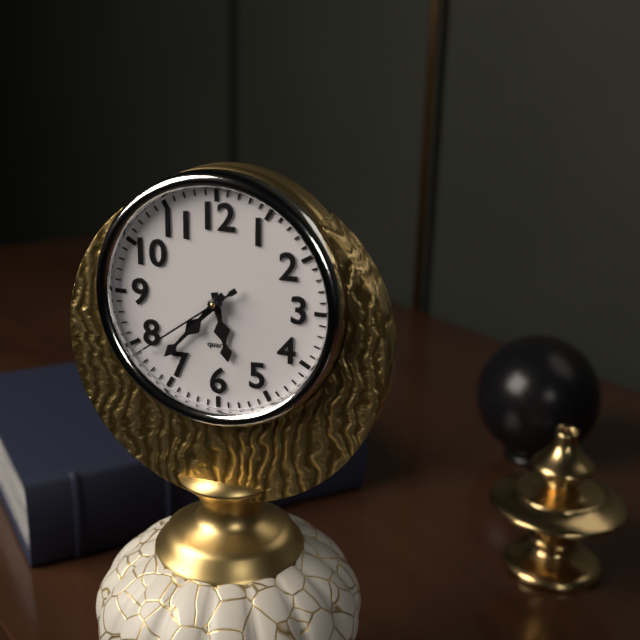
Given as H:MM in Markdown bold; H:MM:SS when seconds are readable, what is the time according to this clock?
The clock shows **5:37:39**
